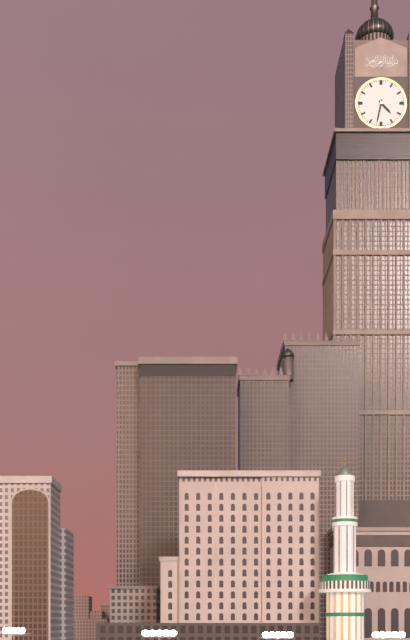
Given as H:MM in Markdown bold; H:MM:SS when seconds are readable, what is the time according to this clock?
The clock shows **4:32**
